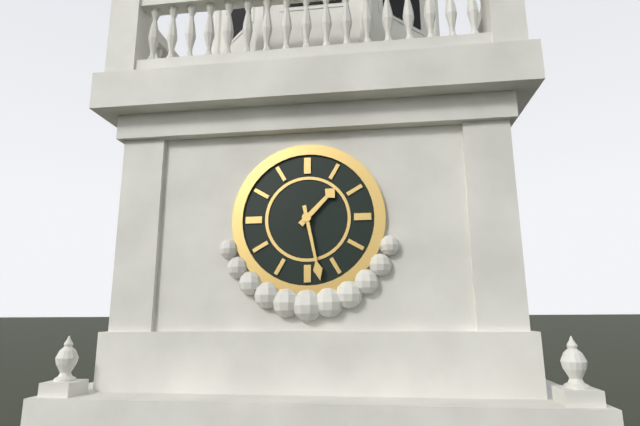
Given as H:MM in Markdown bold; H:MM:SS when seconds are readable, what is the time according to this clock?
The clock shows **1:28**
